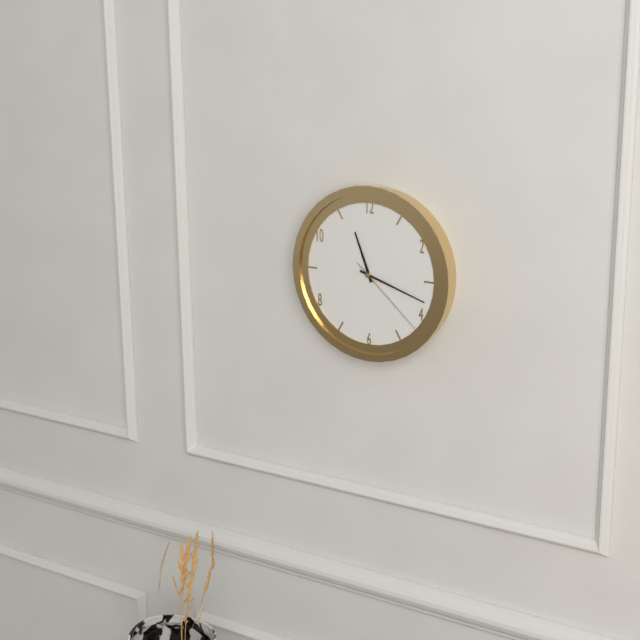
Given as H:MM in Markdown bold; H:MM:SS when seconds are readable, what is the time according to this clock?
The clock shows **11:18:22**
